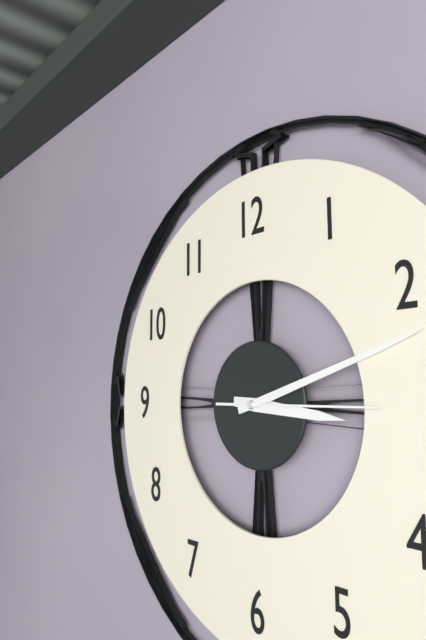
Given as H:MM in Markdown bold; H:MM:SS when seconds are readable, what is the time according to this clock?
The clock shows **3:12:15**
